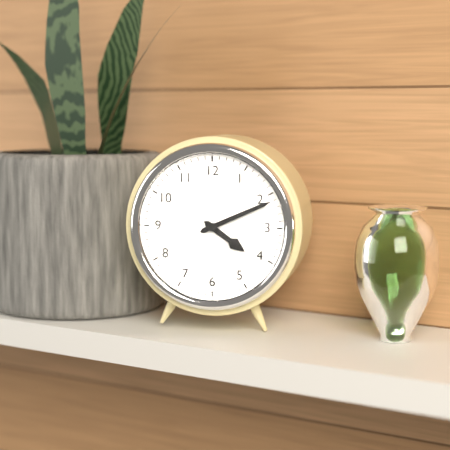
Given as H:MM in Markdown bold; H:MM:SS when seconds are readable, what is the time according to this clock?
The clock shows **4:11**
